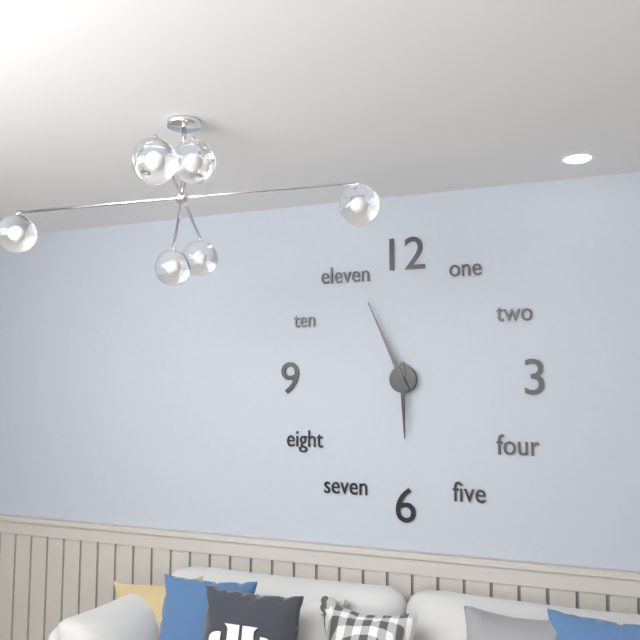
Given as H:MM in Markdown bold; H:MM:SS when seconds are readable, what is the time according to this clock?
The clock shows **5:56**
